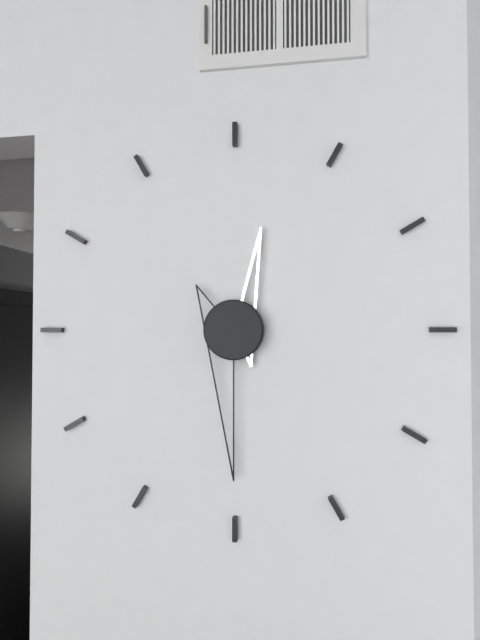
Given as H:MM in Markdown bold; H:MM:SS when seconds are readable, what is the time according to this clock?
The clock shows **12:30**
